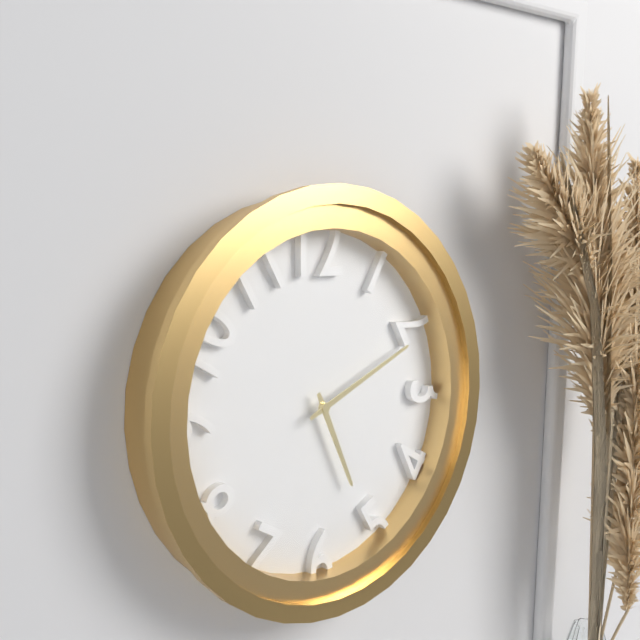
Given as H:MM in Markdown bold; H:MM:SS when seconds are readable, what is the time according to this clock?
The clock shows **5:11**
